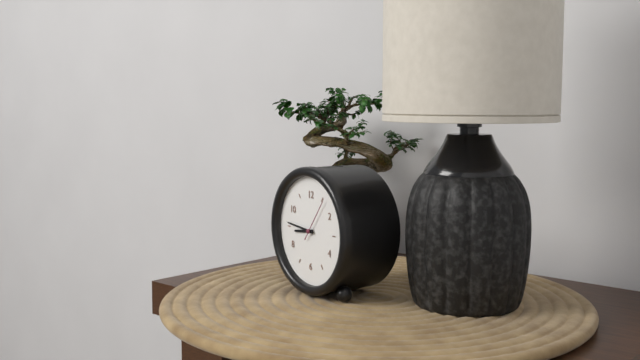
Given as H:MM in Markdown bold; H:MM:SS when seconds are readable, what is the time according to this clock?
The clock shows **8:46**
